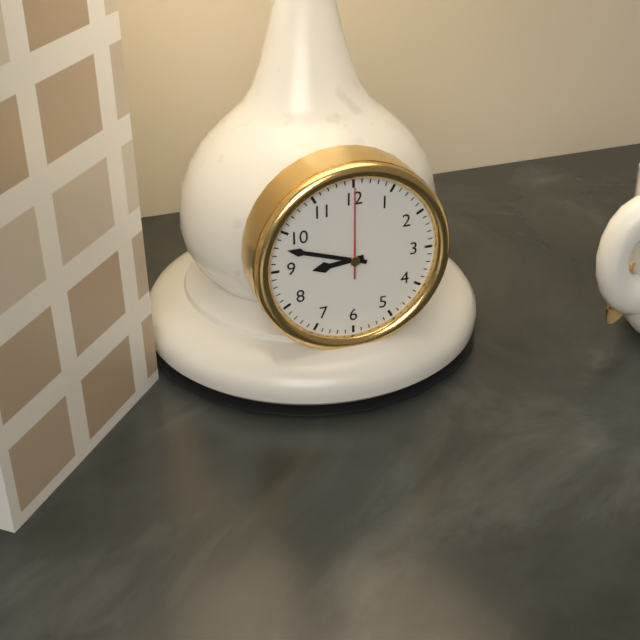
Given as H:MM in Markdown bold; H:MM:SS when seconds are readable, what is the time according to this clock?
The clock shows **8:48:00**
